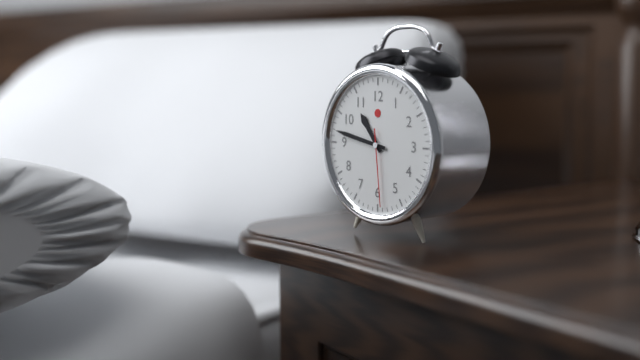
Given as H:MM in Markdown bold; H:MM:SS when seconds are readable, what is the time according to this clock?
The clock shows **10:47:29**
